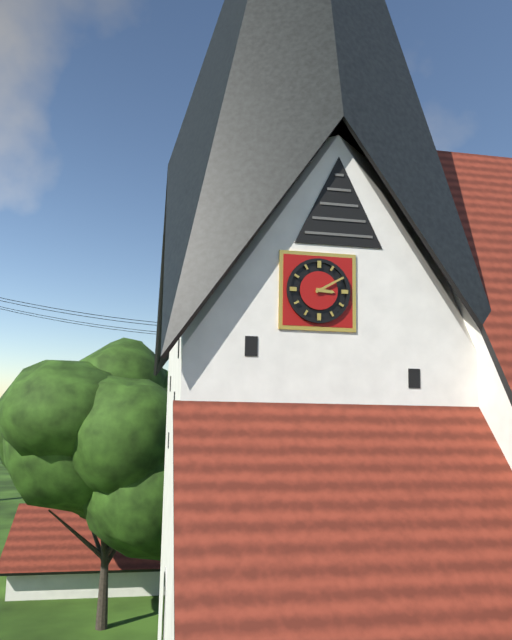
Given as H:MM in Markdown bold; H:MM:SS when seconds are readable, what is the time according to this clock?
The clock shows **3:10**
